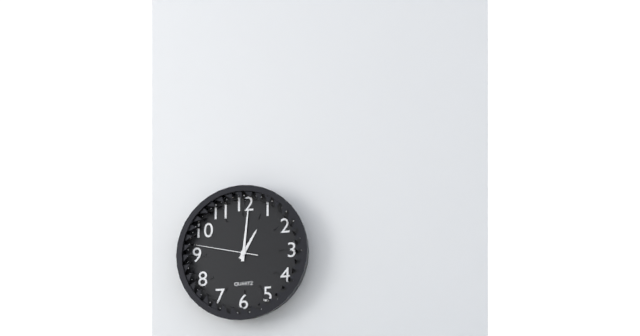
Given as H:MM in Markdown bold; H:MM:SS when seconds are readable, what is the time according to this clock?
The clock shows **1:01:47**
